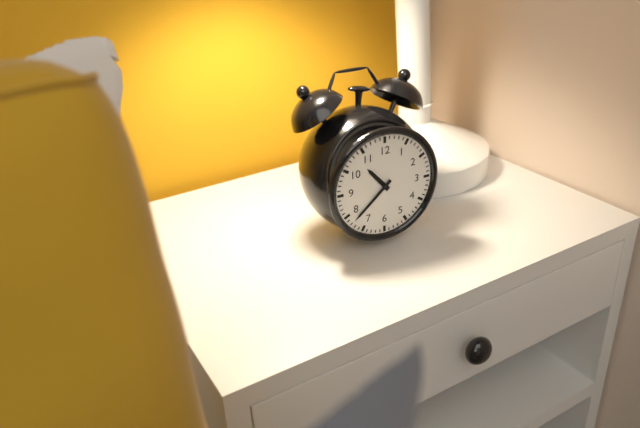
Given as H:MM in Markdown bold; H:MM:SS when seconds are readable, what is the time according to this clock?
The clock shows **10:38**
